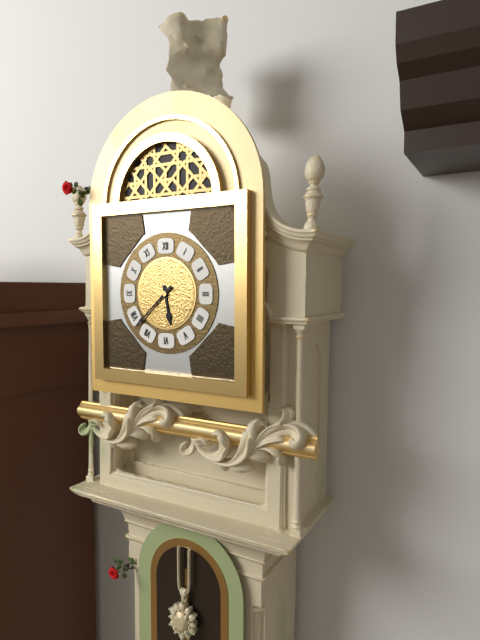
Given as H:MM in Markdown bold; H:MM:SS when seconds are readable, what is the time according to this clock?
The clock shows **5:38**
